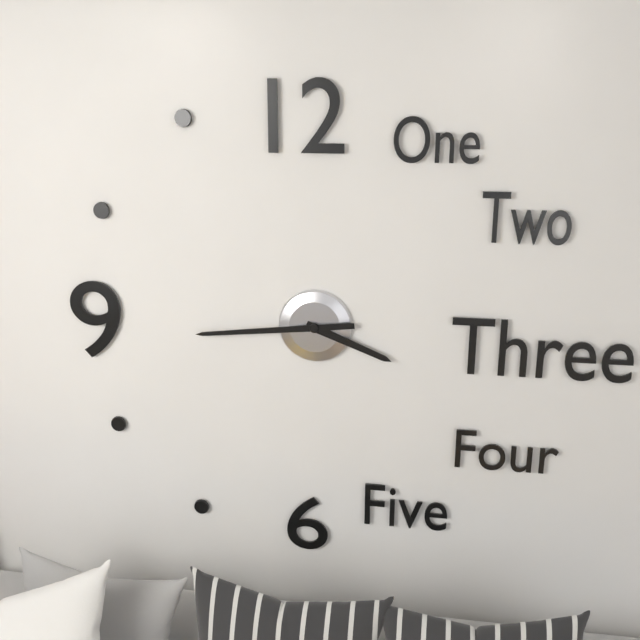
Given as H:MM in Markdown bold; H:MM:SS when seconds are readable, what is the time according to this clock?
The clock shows **3:44**
